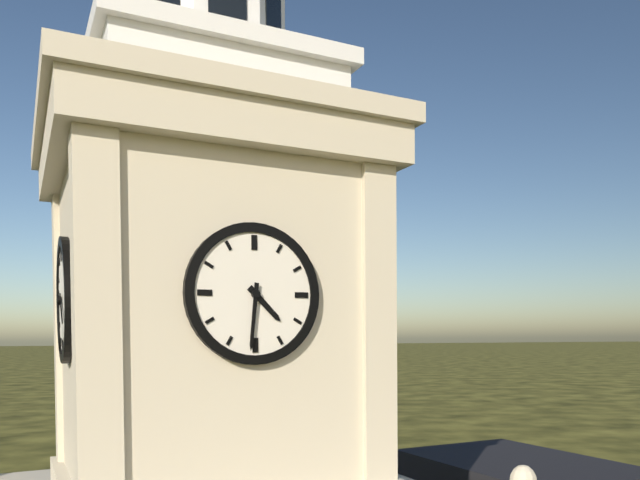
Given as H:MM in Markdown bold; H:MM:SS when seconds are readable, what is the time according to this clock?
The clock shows **4:31**
